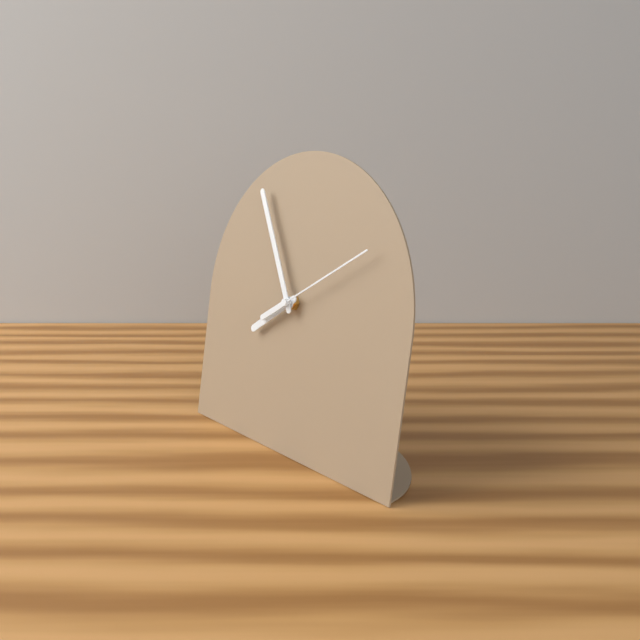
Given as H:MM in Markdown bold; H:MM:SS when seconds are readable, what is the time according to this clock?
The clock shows **7:55:10**
